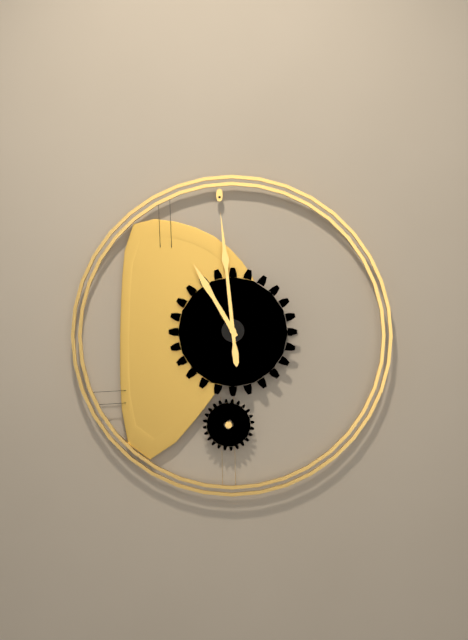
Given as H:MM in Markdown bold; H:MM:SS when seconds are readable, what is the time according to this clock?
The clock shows **10:59**
